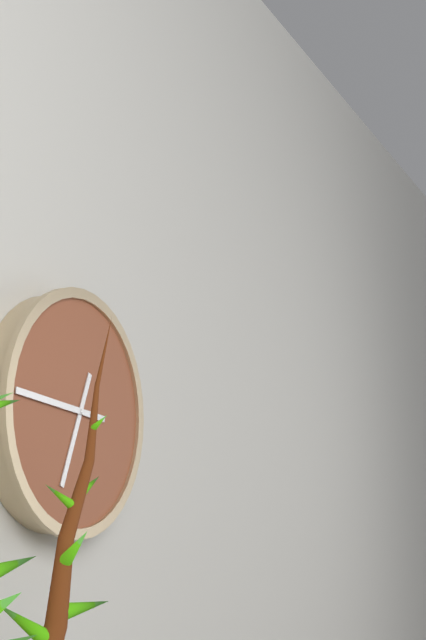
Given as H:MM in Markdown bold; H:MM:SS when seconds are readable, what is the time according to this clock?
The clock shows **6:46**
